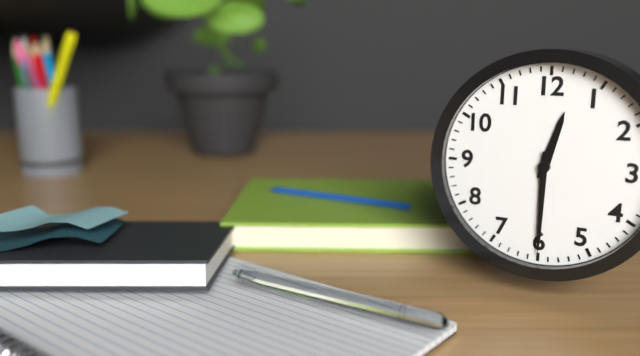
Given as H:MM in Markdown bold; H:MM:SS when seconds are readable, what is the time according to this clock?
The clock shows **12:30**
